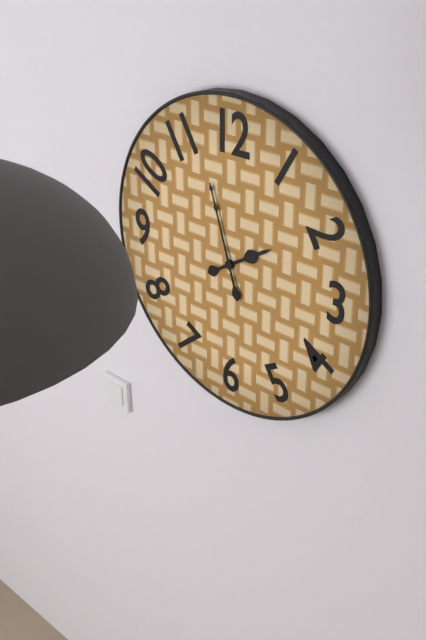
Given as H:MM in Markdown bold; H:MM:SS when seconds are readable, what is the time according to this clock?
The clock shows **1:57**
